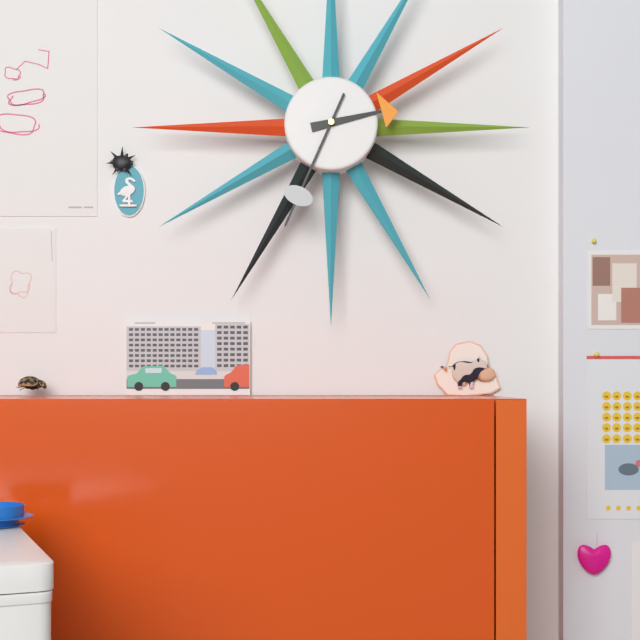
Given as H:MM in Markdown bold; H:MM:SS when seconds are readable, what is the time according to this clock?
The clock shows **2:34**
